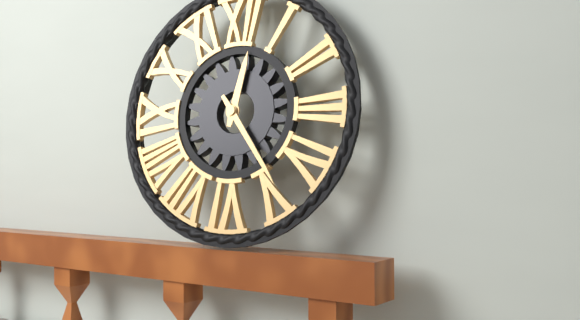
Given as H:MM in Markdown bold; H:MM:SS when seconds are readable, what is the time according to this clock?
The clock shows **12:24**
